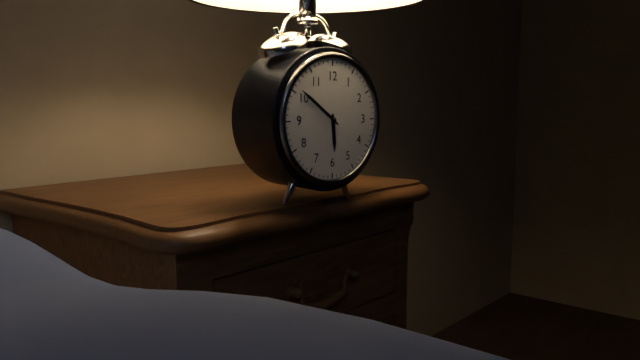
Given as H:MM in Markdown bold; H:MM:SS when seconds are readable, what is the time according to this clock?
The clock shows **5:51**
